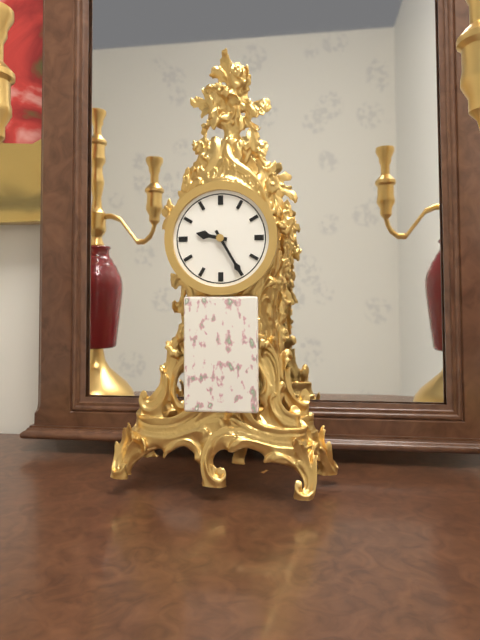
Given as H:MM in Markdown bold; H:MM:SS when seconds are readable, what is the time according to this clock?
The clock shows **9:25**
